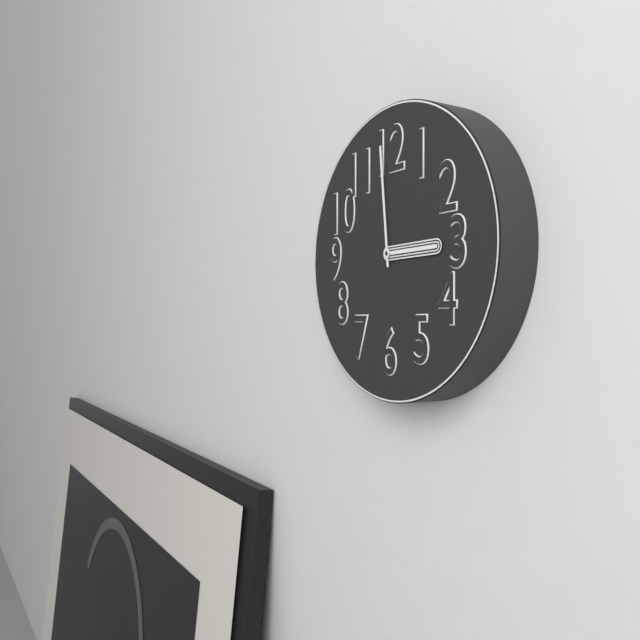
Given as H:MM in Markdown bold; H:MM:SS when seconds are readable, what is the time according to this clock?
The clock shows **2:59**
